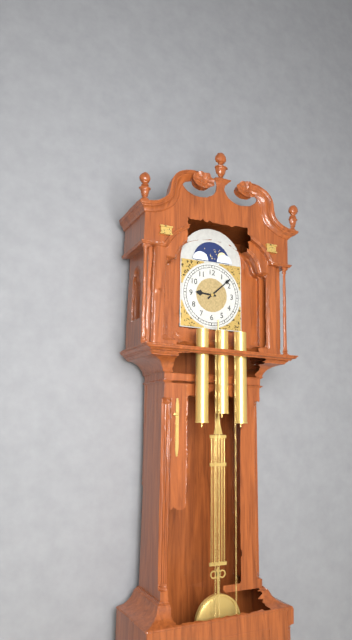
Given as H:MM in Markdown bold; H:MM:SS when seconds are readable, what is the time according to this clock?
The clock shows **9:08**
